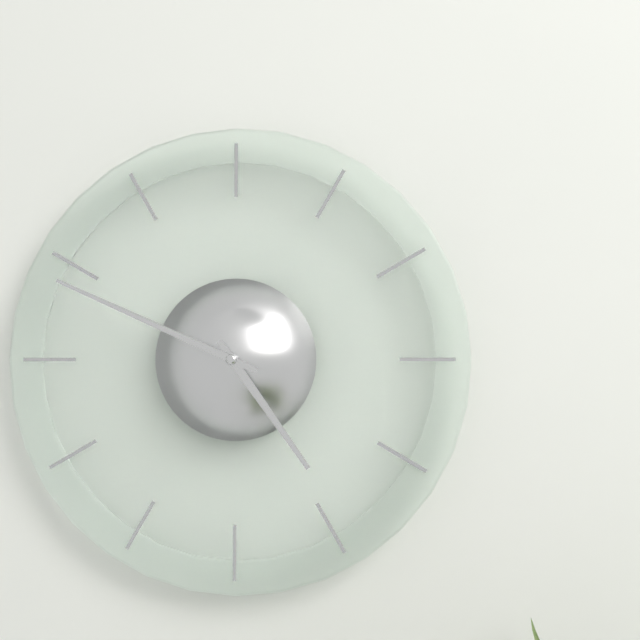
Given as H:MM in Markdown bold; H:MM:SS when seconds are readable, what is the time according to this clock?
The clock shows **4:49**
